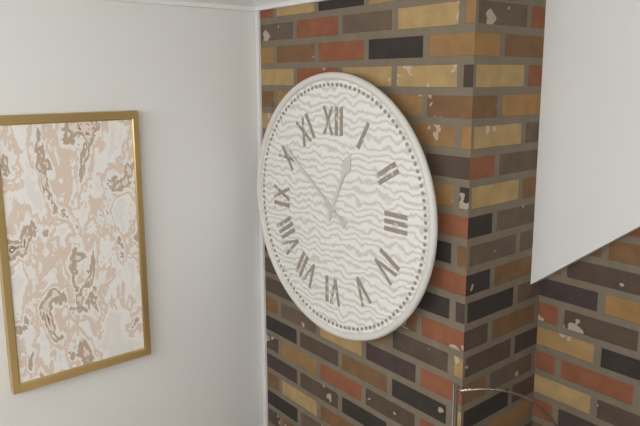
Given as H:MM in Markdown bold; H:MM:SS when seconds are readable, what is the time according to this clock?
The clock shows **12:51**
